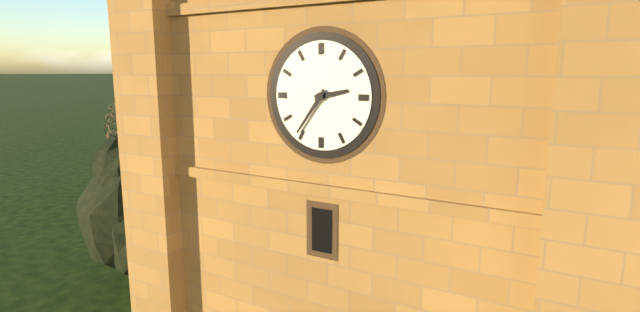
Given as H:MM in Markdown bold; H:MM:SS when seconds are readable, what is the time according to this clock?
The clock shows **2:36**
